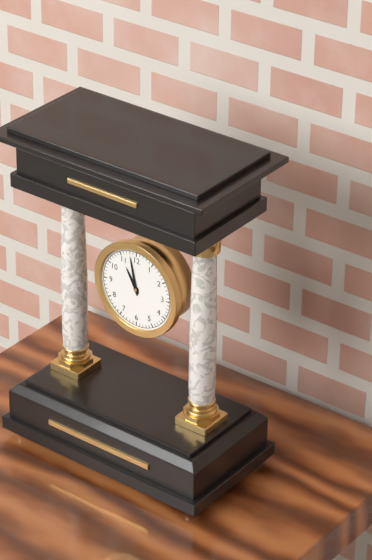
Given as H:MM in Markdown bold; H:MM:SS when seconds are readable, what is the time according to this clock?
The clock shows **10:58**
